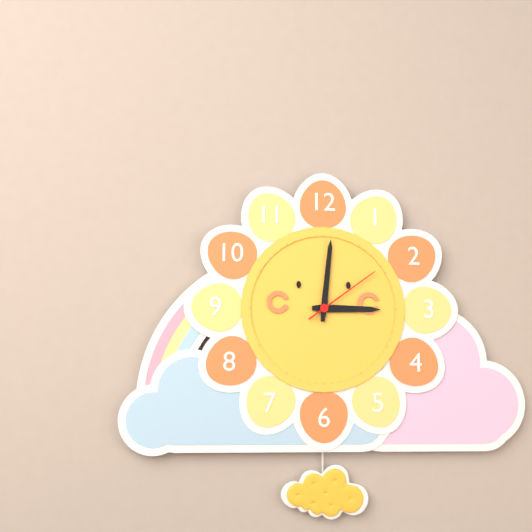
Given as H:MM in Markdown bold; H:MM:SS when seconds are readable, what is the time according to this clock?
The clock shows **3:01:09**
